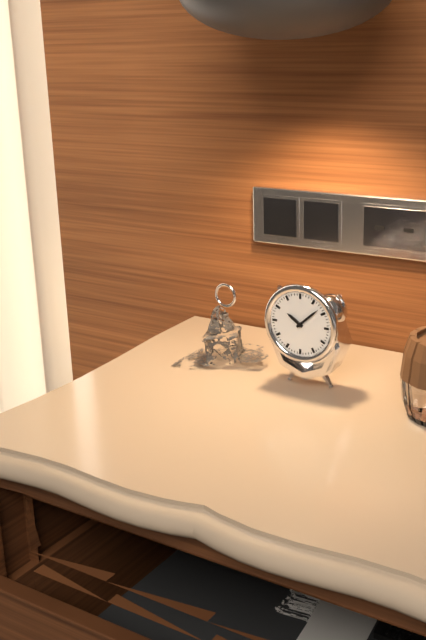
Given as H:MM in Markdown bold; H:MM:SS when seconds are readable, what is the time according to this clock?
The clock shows **10:08**
